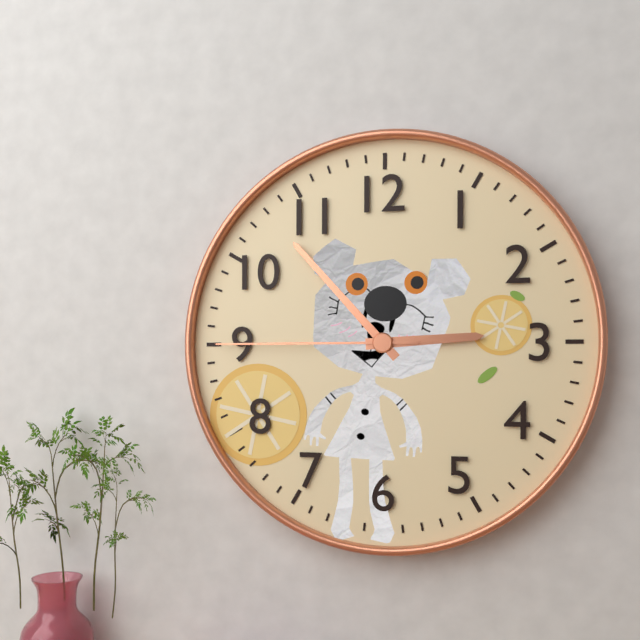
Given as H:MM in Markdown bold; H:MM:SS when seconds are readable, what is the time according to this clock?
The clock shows **2:53:45**
